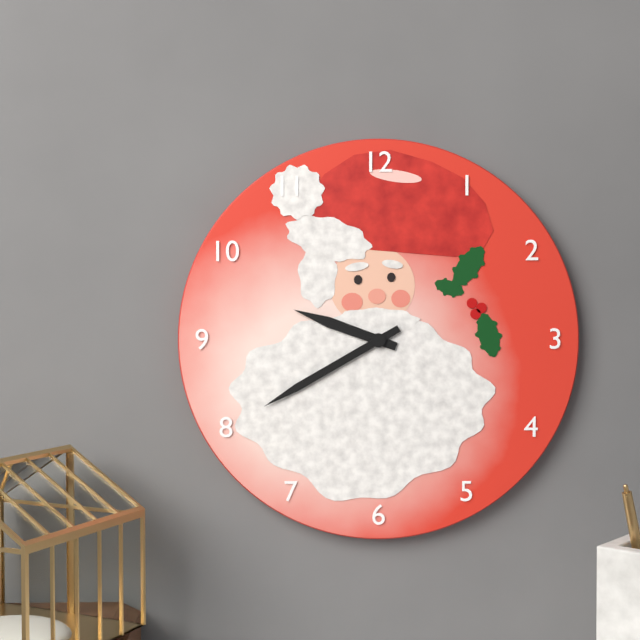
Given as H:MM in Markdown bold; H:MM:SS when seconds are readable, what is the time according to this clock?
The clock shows **9:40**
